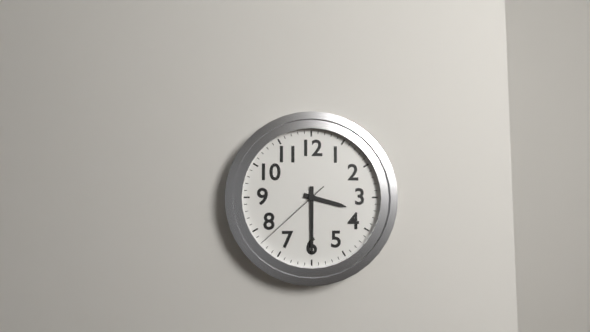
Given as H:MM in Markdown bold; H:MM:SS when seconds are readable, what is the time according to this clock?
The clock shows **3:30:38**
